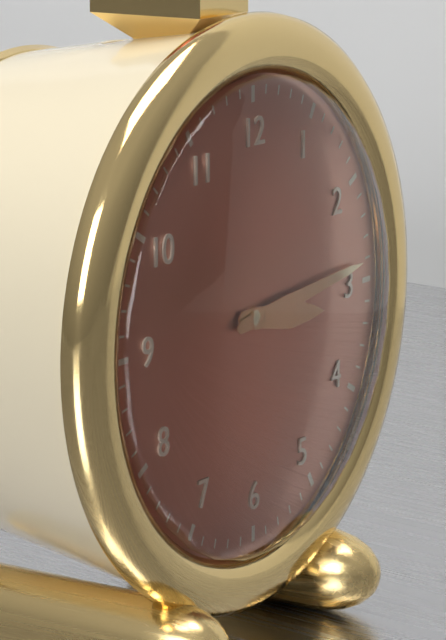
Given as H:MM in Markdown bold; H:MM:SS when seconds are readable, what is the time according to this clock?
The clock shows **3:14**
